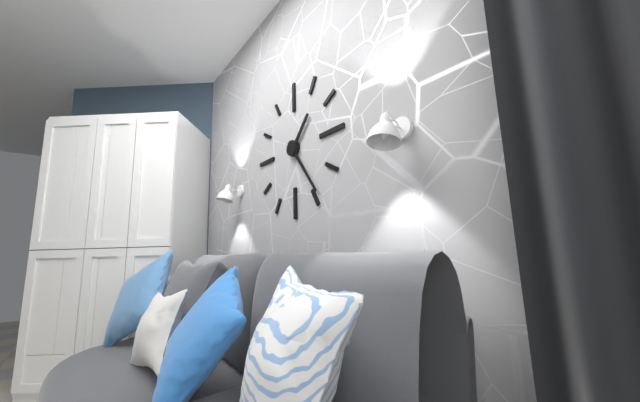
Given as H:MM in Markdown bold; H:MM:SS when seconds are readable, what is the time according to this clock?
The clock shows **1:24**
